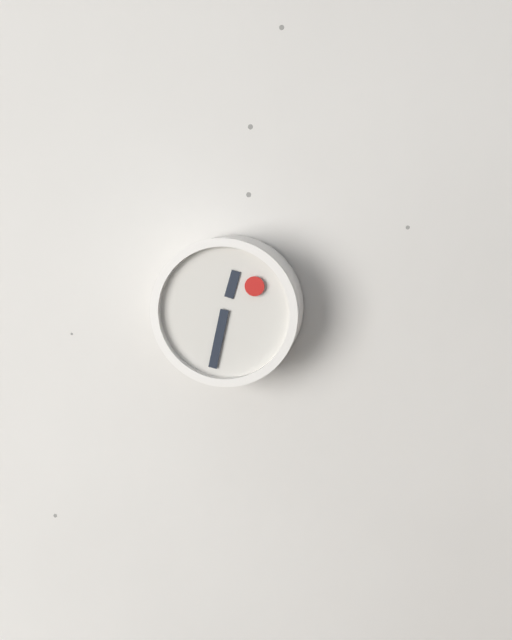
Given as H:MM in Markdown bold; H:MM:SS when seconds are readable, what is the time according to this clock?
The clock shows **12:32:08**
